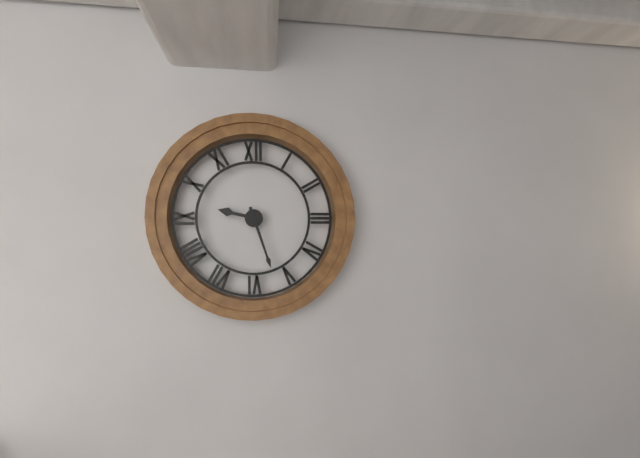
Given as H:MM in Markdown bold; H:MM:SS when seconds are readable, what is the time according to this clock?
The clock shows **9:27**
